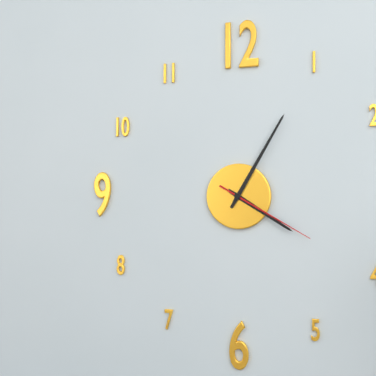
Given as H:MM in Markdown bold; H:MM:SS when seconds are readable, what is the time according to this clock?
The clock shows **4:05:20**
